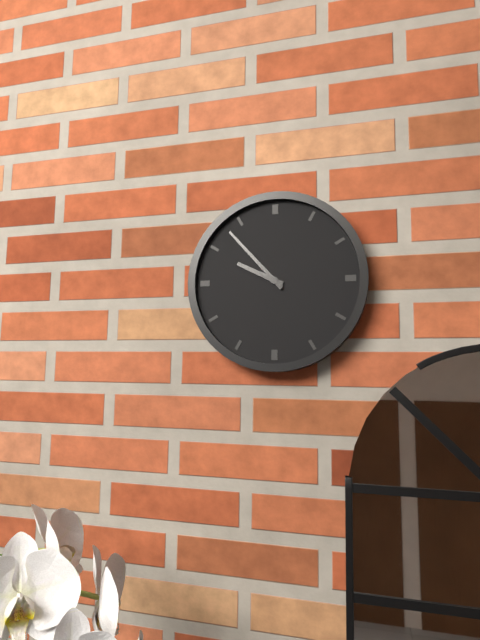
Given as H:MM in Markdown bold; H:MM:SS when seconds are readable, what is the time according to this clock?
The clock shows **9:53**
